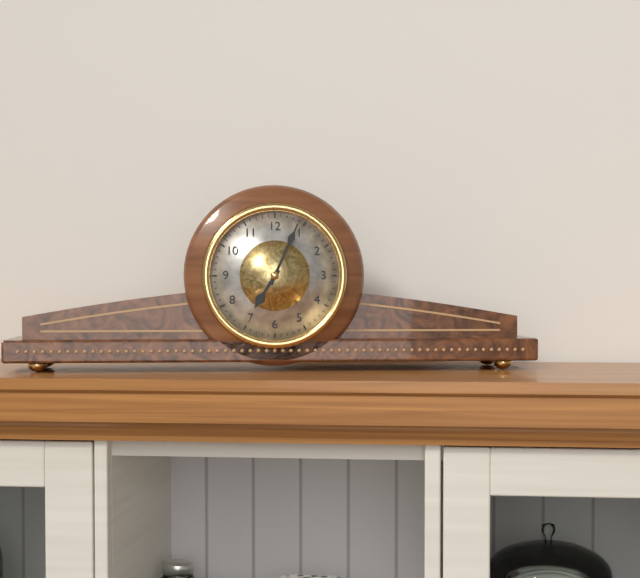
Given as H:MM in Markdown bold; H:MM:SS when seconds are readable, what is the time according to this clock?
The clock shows **7:04**
